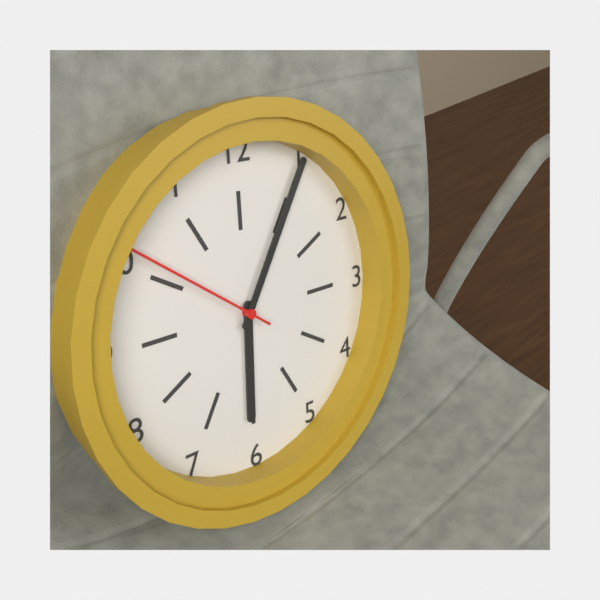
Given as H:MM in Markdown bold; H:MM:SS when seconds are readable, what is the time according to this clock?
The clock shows **6:05:51**
